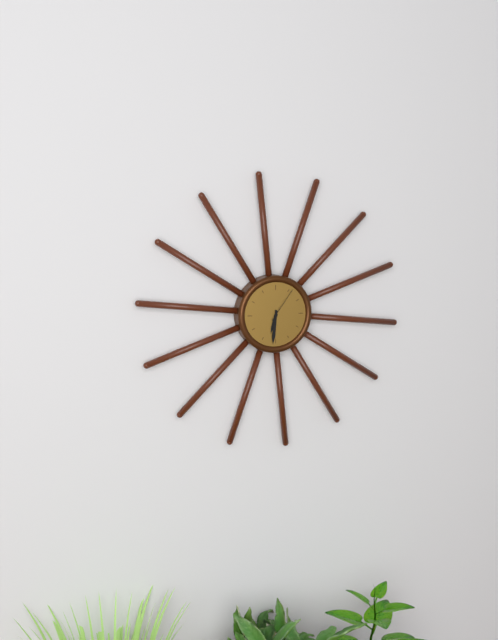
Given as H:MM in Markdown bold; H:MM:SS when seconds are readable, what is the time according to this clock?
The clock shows **6:31**
